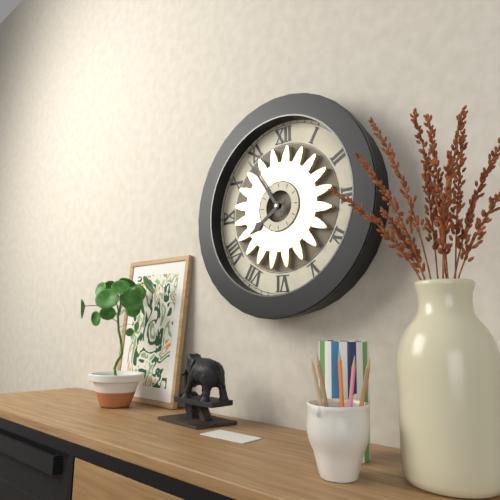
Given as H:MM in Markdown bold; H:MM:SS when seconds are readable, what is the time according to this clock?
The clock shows **7:54**
